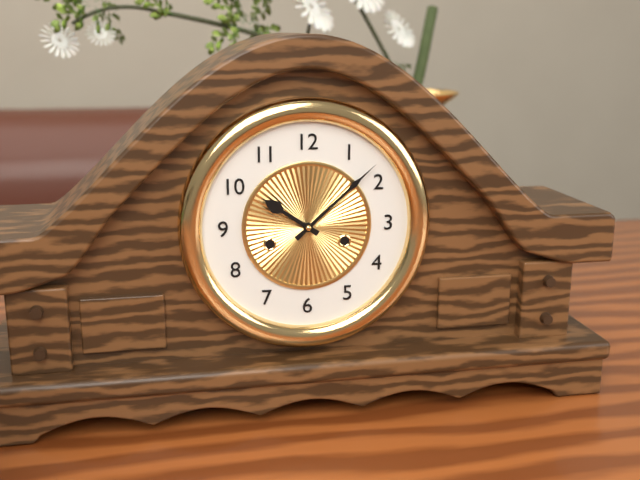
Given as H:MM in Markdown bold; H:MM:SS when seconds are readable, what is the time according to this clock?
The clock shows **10:08**
